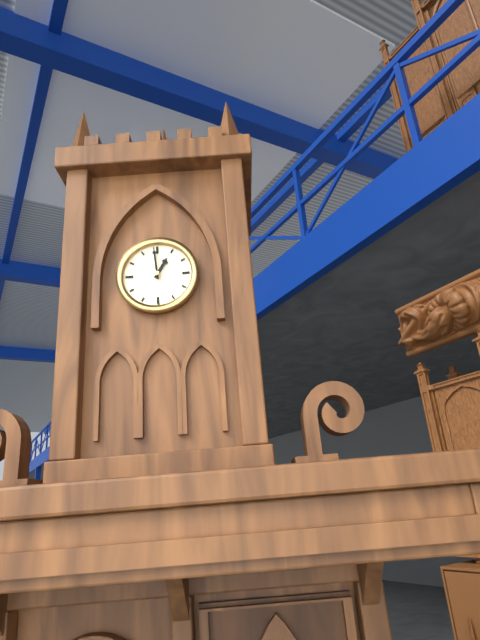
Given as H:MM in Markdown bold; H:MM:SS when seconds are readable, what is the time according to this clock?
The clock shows **12:59**
